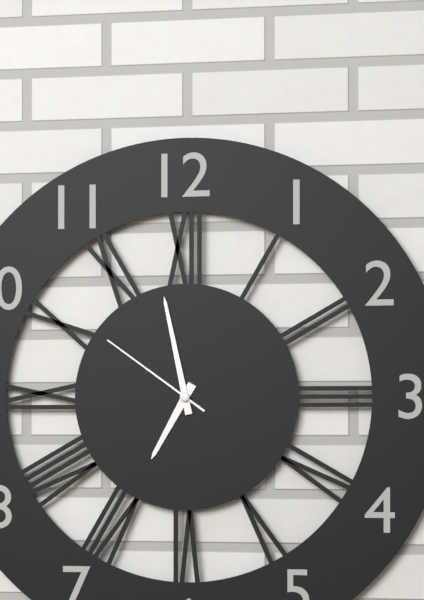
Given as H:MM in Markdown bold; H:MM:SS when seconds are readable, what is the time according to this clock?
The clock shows **6:58:51**
